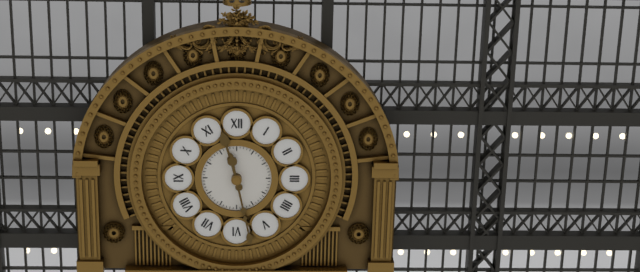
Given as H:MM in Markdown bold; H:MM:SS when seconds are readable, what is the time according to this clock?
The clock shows **11:28**
